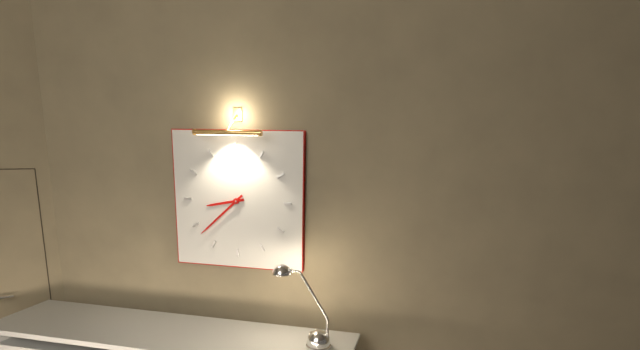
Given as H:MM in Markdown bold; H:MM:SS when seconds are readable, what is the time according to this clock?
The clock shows **8:38**
